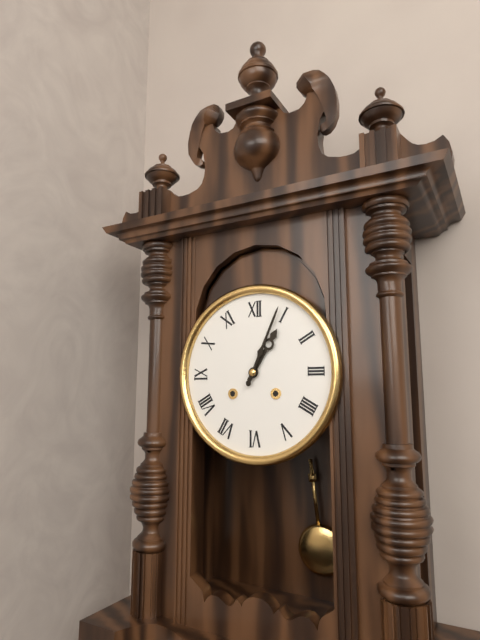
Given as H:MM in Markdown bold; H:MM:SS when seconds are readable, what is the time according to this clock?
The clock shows **1:04**
